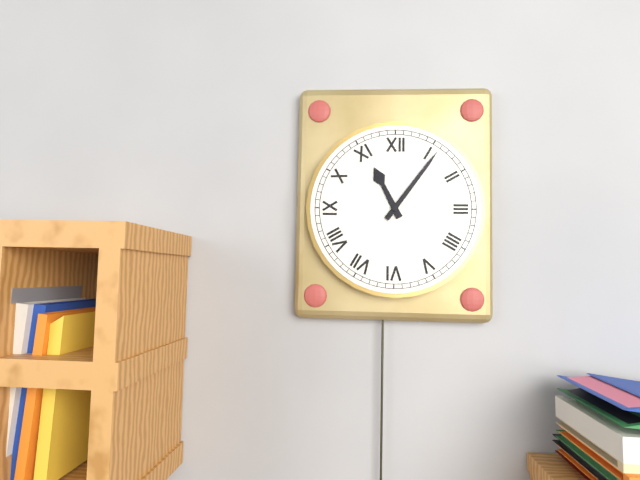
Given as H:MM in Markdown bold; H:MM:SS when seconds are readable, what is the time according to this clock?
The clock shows **11:06**
